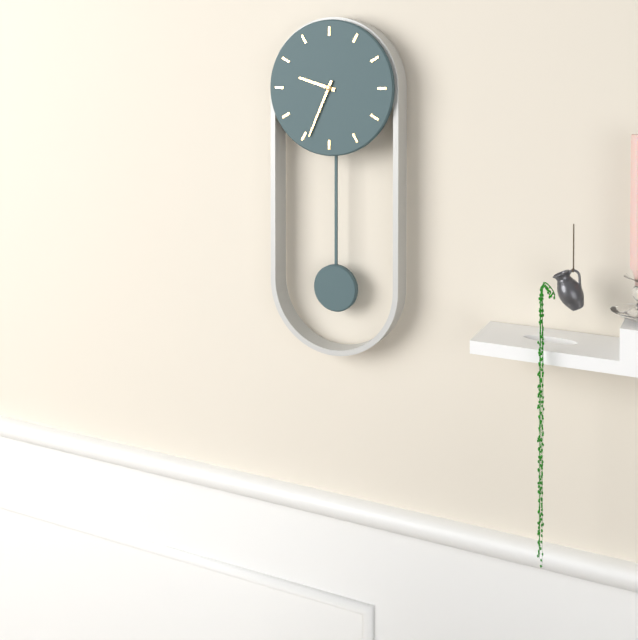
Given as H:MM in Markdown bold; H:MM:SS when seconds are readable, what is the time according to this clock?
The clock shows **9:34**
